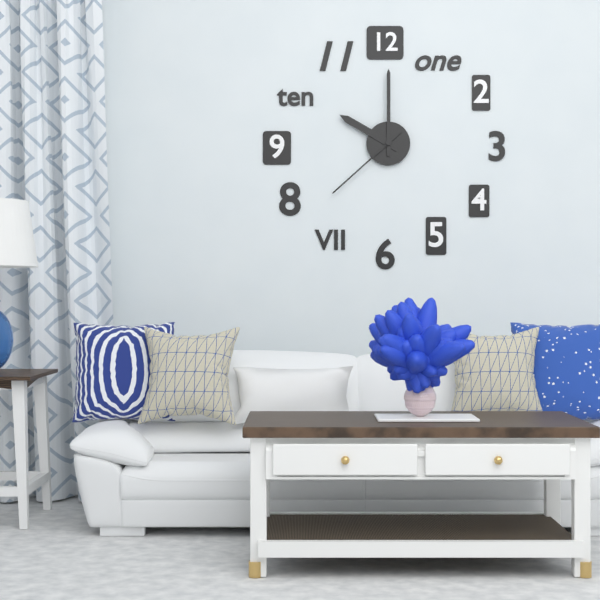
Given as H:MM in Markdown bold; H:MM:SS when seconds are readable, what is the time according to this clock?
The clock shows **10:00:38**
